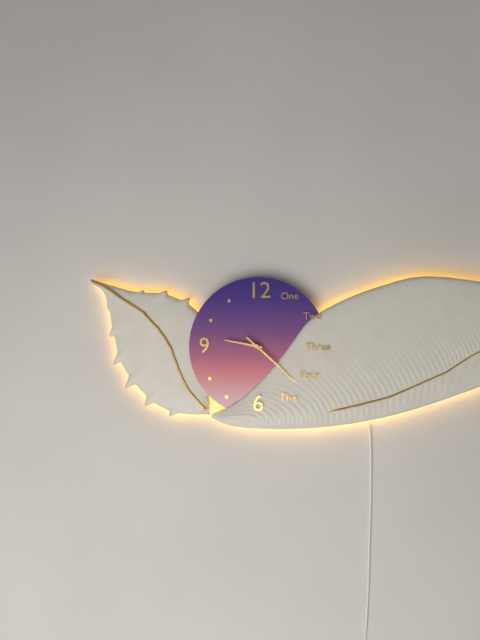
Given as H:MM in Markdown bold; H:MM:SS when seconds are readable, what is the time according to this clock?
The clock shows **9:22**
